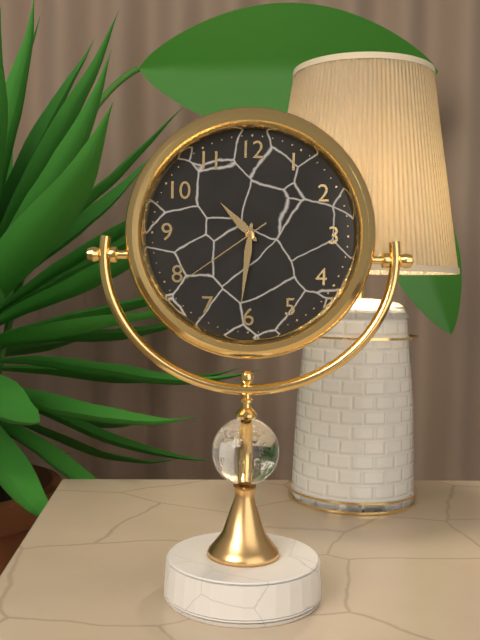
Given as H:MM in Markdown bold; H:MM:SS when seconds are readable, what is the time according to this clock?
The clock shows **10:31:39**
